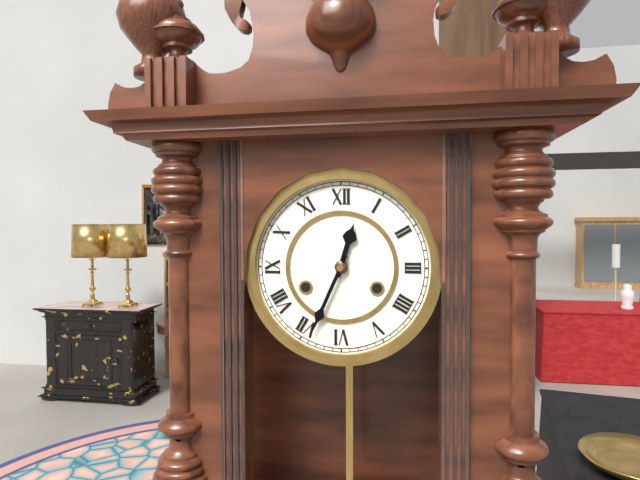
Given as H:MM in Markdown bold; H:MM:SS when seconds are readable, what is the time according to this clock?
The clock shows **12:34**
